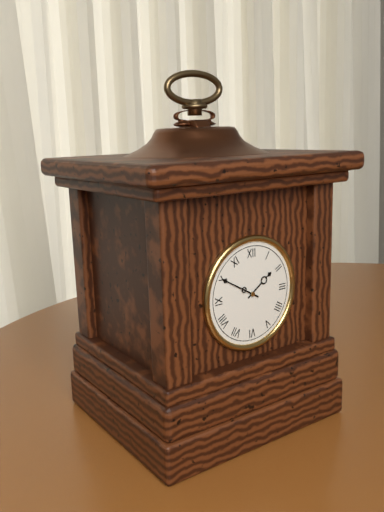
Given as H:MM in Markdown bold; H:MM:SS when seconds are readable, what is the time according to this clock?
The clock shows **1:50**
